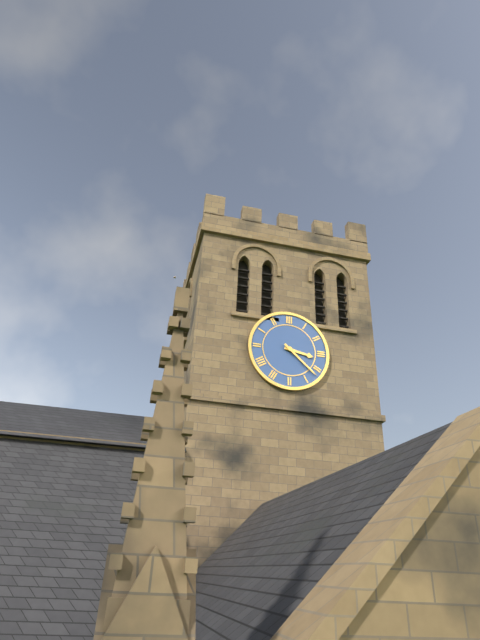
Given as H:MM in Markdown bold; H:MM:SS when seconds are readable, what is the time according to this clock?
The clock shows **3:22**
